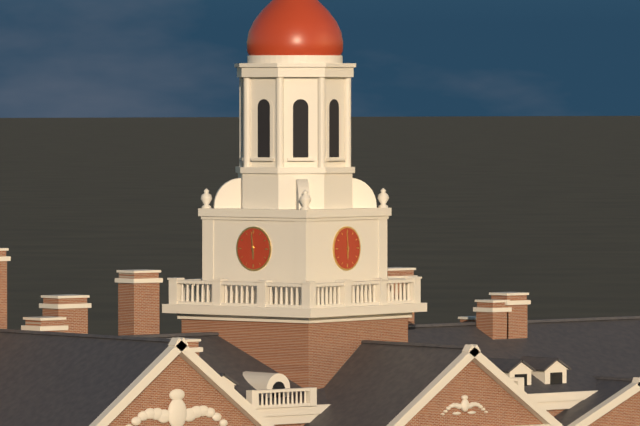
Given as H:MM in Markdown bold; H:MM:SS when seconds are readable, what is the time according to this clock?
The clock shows **5:59**
